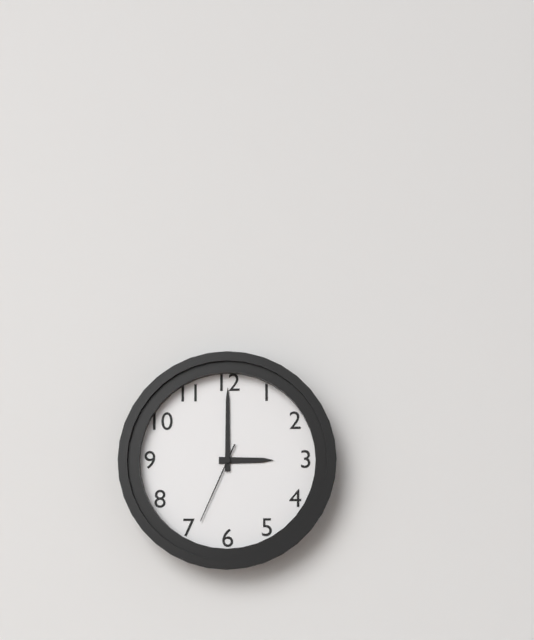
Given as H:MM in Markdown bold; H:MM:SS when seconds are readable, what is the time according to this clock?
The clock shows **3:00:34**
